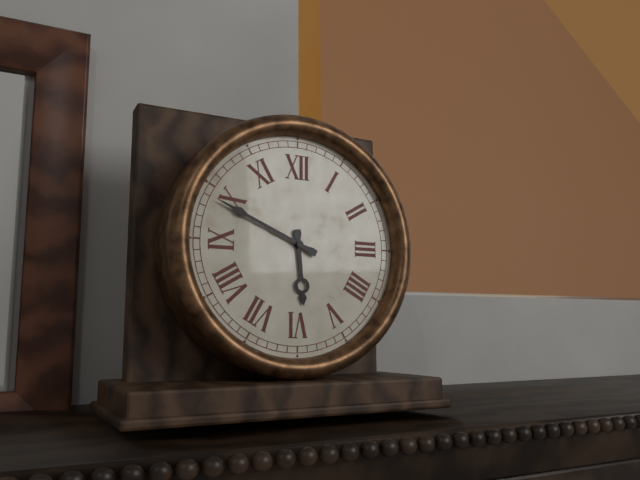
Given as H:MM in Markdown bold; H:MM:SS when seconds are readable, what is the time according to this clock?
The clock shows **5:49**
